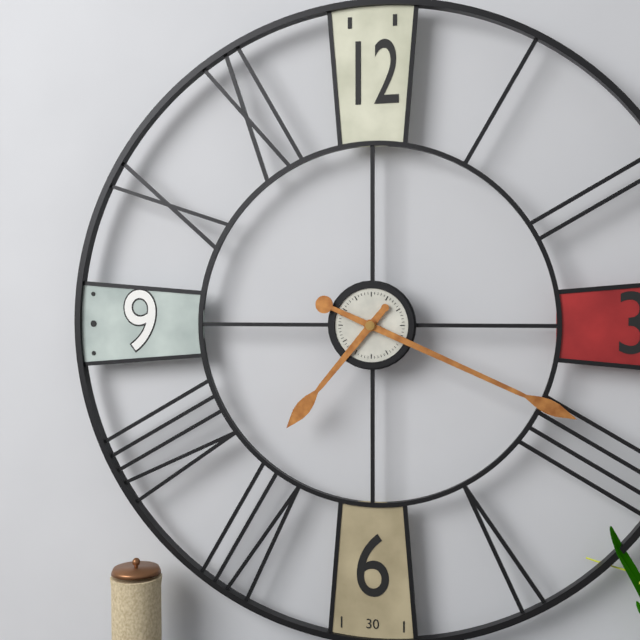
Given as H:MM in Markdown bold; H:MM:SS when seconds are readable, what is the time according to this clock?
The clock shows **7:19**
